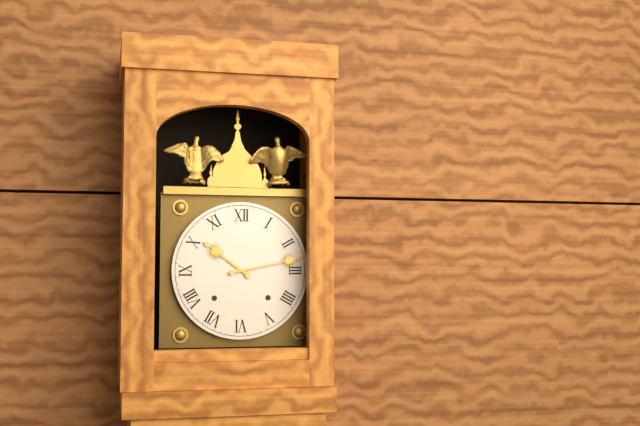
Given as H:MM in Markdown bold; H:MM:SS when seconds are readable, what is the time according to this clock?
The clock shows **10:13**
